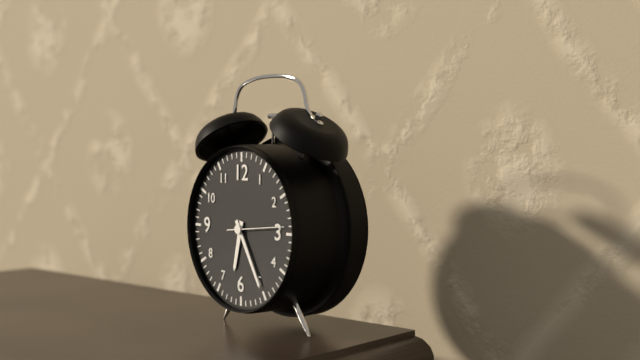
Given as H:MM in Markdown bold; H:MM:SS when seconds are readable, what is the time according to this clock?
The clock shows **6:25:14**
